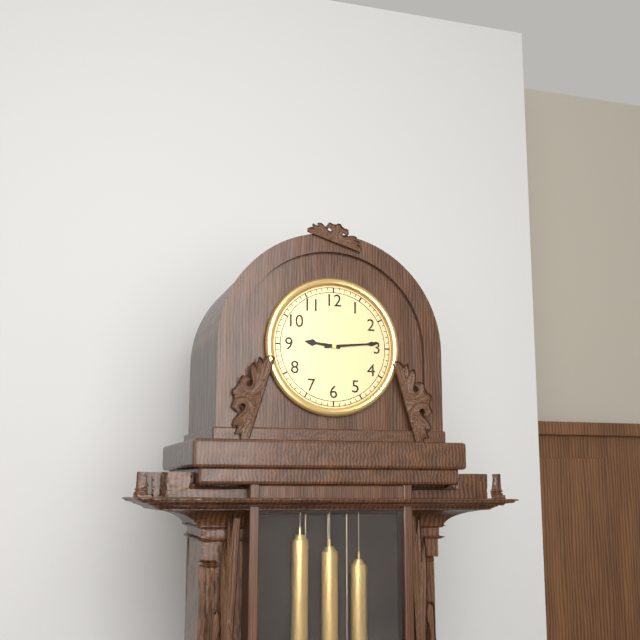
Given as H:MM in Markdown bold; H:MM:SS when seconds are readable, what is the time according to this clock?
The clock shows **9:14**
